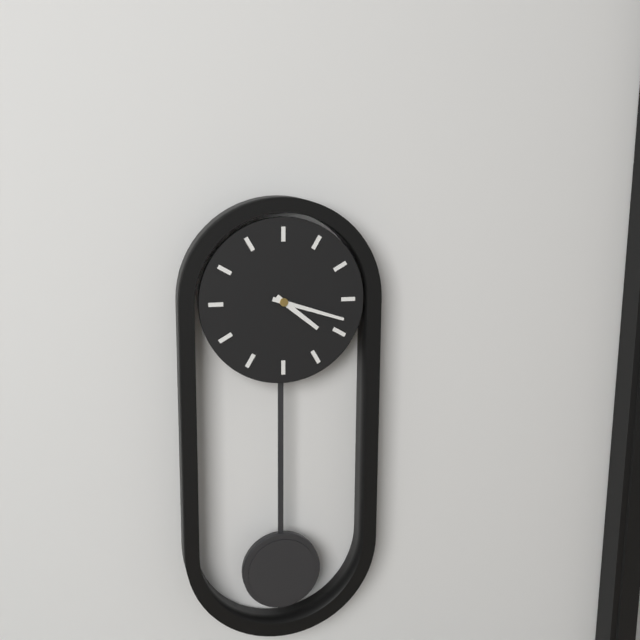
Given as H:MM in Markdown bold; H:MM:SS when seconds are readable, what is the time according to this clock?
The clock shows **4:18**
